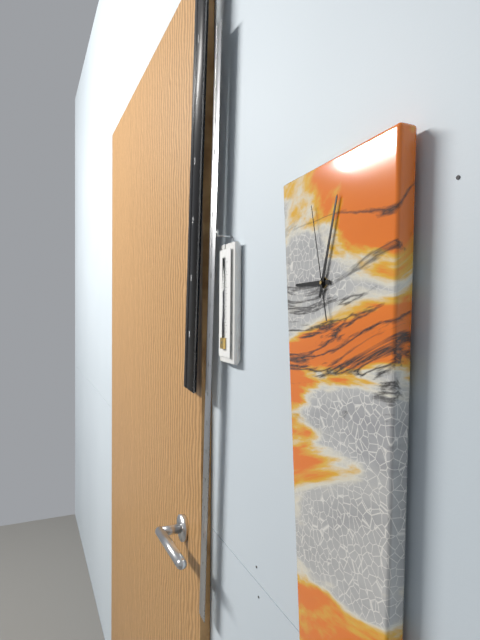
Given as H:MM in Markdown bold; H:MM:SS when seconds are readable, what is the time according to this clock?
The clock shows **9:03:58**
